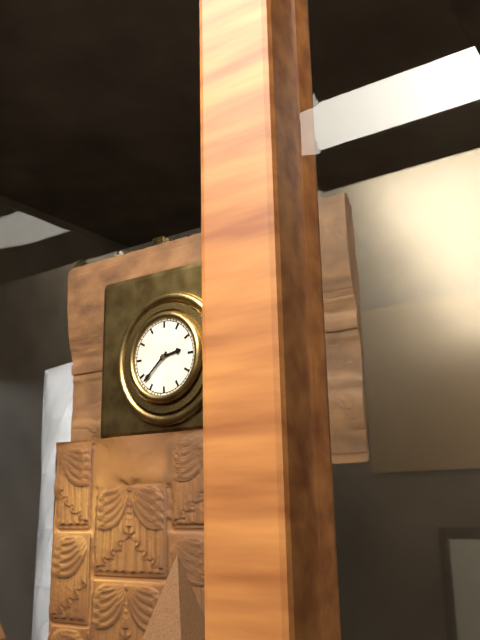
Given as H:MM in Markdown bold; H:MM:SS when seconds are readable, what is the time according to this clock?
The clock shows **2:38**
